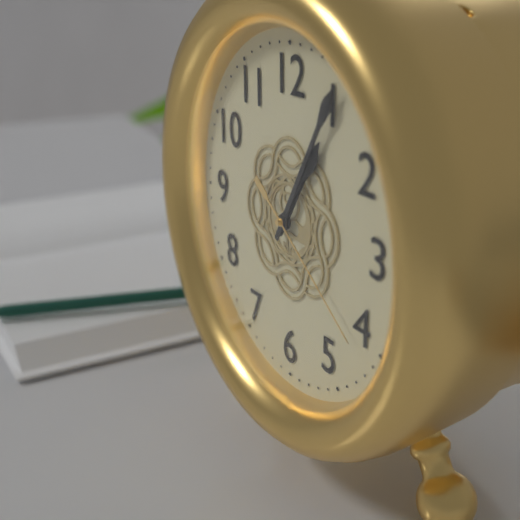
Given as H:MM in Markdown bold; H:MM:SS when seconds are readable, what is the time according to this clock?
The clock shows **1:05:21**
